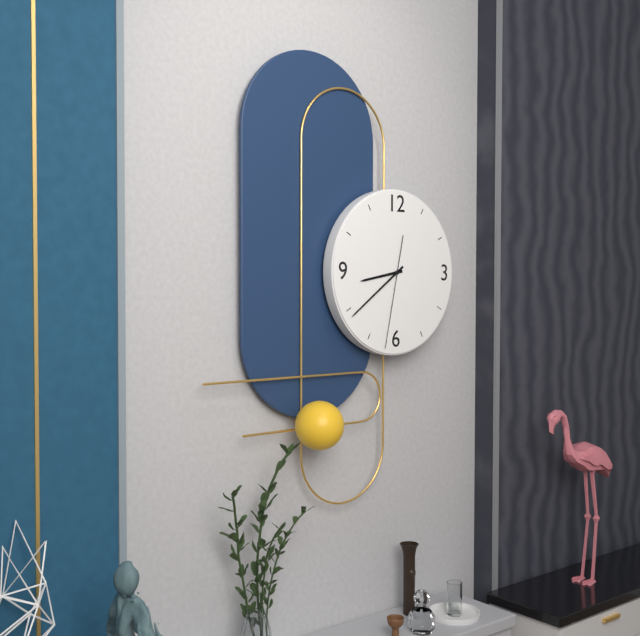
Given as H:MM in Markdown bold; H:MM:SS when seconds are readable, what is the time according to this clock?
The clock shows **8:39:32**
